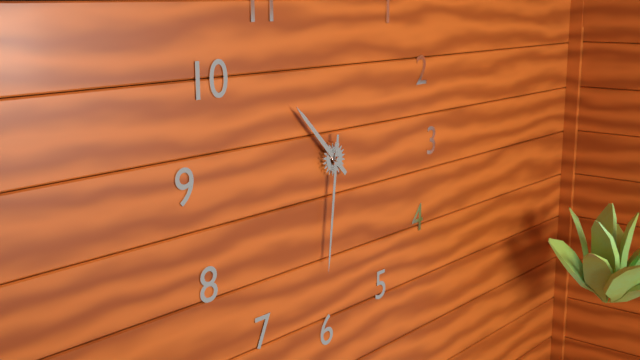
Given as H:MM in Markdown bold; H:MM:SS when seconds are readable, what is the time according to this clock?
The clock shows **10:31**
